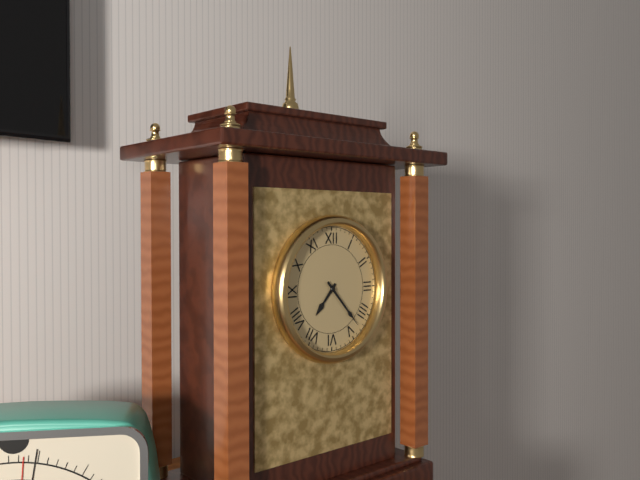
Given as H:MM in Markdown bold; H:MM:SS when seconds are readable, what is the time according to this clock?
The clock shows **7:23**
